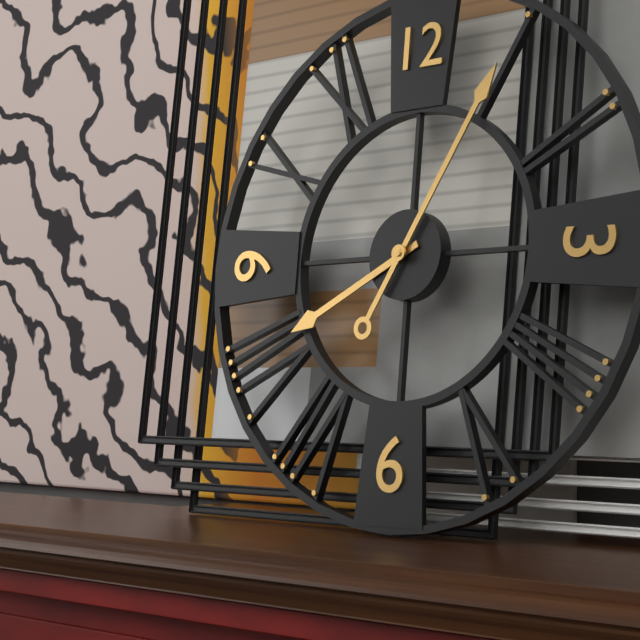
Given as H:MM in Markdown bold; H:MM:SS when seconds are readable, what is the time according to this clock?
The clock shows **8:05**
